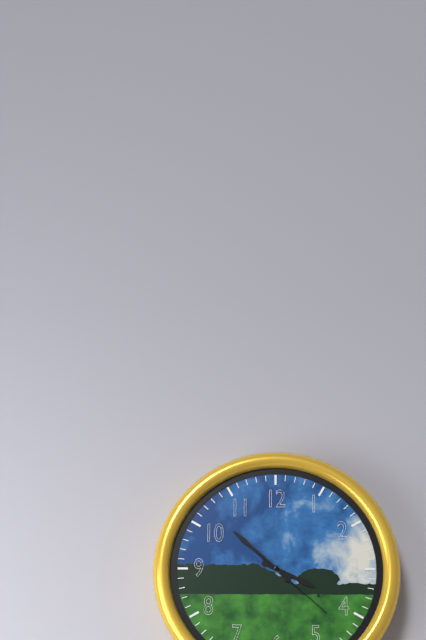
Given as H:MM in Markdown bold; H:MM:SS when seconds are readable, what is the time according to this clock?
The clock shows **3:52:22**
